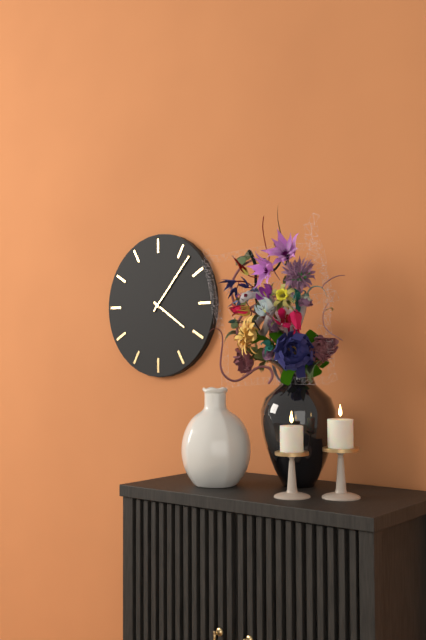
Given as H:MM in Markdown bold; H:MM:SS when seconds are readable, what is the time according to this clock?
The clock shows **4:07**
